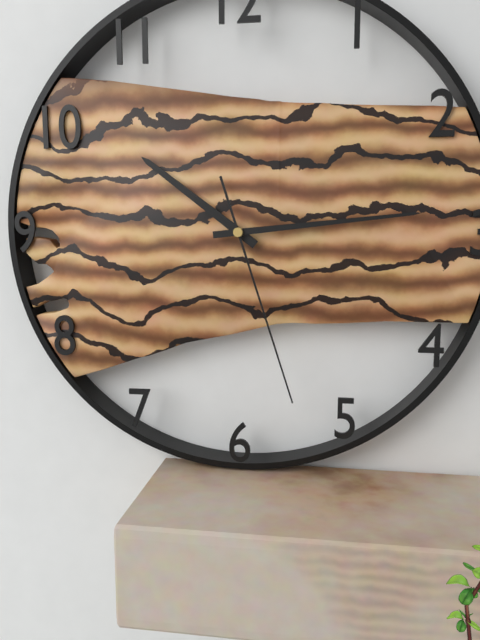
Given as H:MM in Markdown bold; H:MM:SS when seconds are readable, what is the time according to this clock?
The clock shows **10:14:27**
